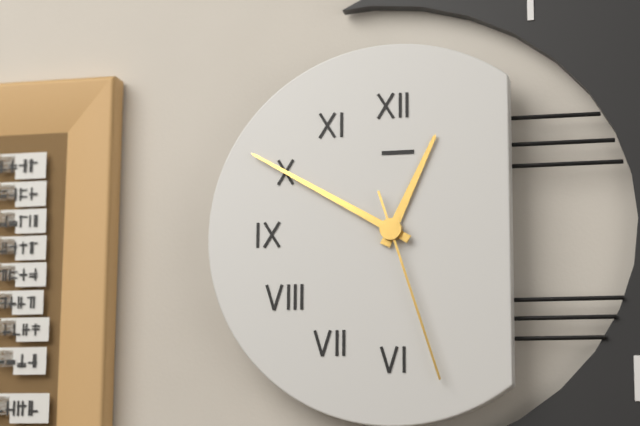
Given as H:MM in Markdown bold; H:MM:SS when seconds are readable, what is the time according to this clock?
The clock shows **12:50:27**
